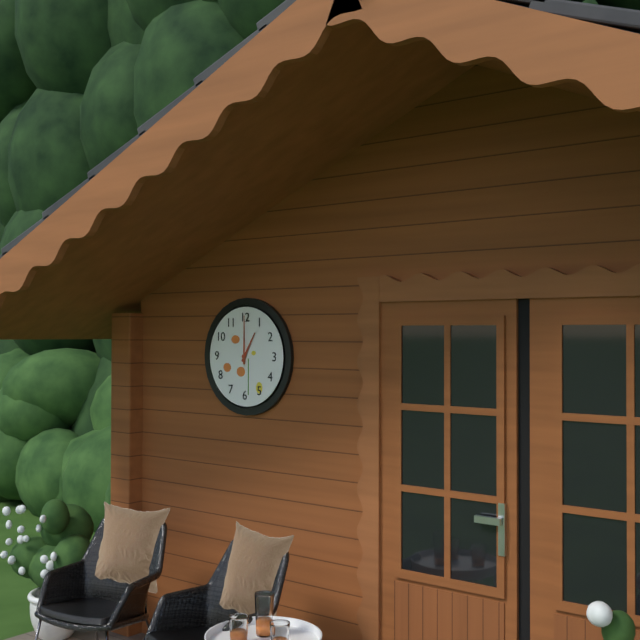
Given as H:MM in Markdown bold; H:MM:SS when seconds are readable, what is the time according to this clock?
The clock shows **1:00**
